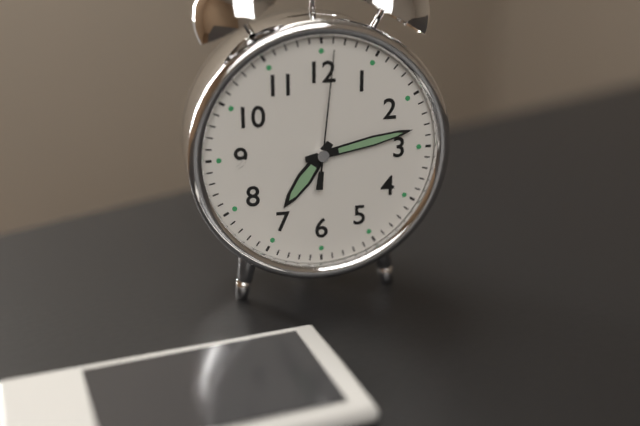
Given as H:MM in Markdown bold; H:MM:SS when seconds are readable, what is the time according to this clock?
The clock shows **7:13:01**
